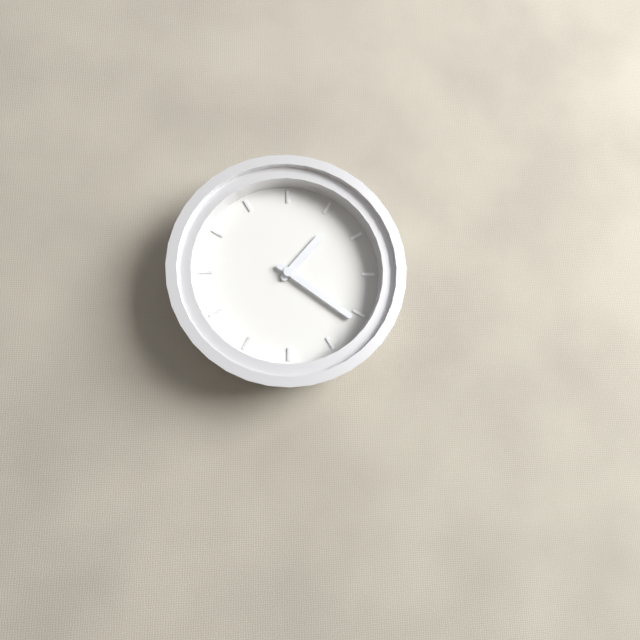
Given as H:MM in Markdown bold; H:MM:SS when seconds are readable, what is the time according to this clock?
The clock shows **1:21**
